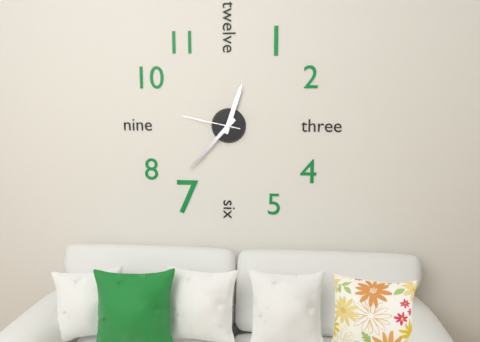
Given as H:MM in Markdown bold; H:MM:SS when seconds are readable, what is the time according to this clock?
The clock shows **12:37:47**
